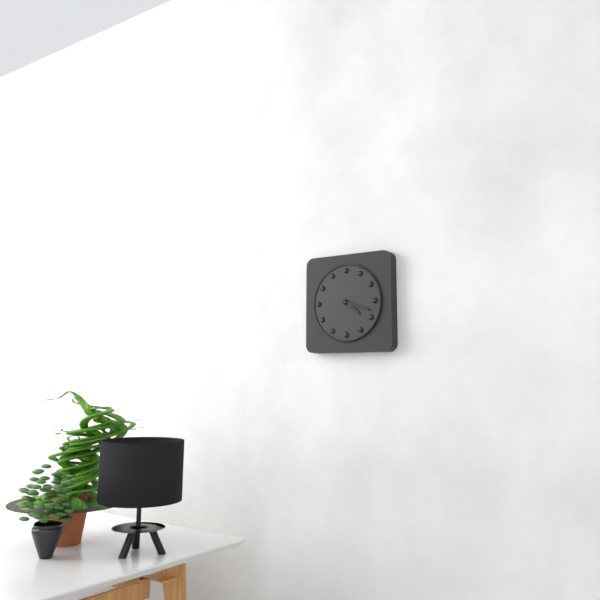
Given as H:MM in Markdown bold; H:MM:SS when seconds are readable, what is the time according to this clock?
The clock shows **4:18**
